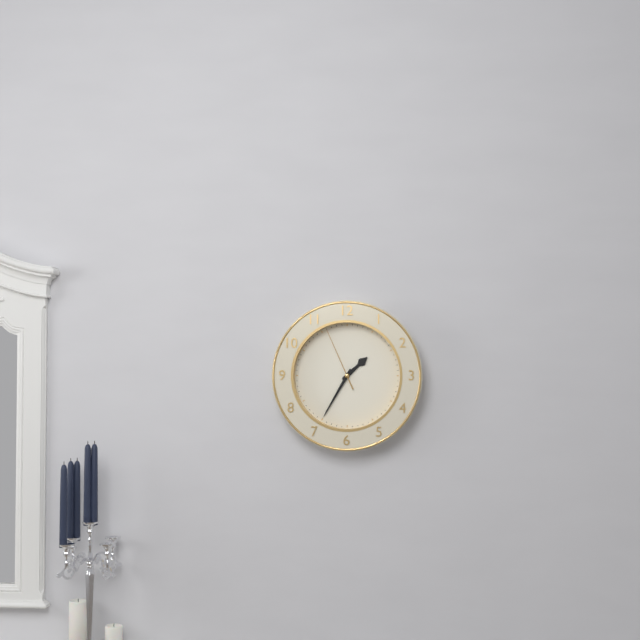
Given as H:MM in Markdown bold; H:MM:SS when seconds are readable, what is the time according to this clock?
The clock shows **1:35:56**
